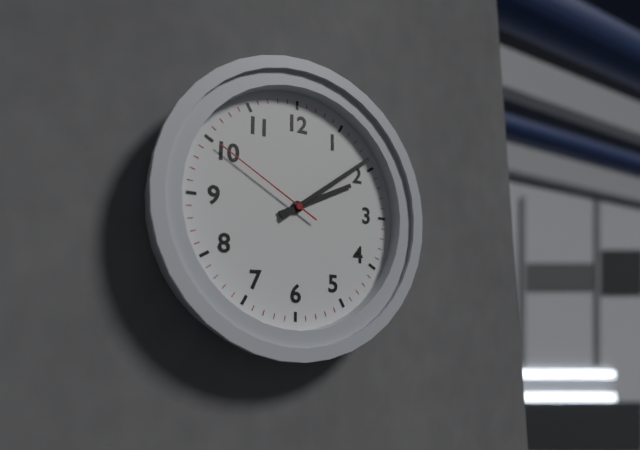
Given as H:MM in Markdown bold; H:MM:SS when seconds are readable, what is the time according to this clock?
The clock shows **2:09:50**
